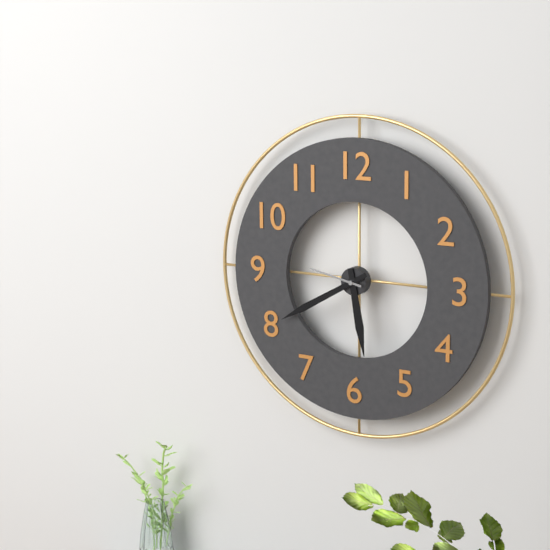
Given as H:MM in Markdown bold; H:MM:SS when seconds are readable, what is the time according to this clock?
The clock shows **5:40:47**
